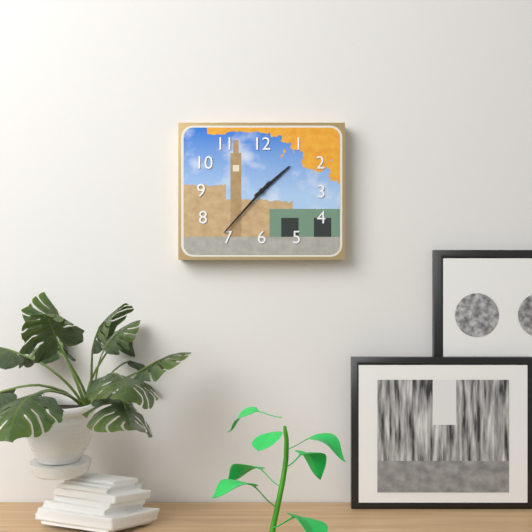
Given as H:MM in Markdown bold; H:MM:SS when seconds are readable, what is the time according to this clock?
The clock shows **1:37**
